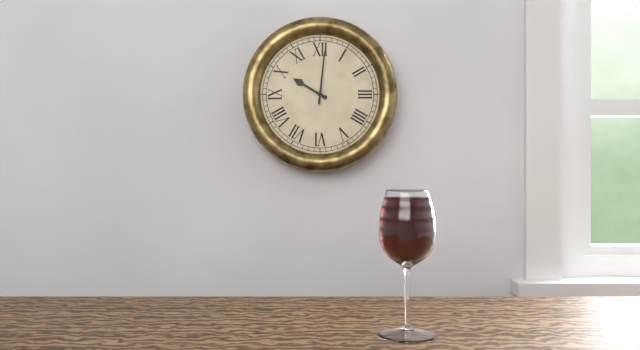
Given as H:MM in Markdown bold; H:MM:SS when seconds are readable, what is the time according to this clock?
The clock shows **10:01**
